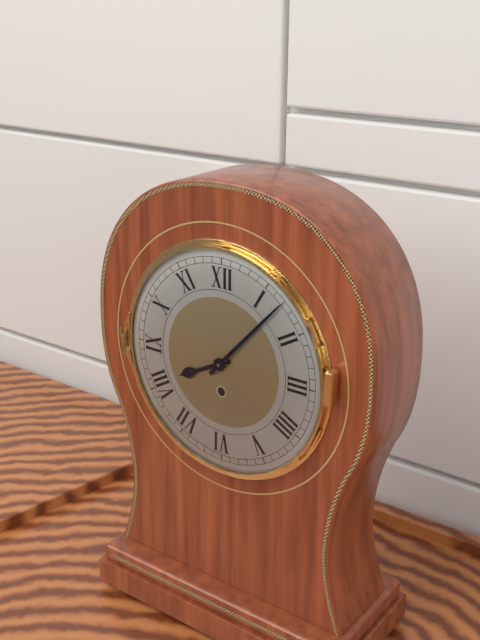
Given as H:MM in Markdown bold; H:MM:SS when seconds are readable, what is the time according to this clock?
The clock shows **8:07**
